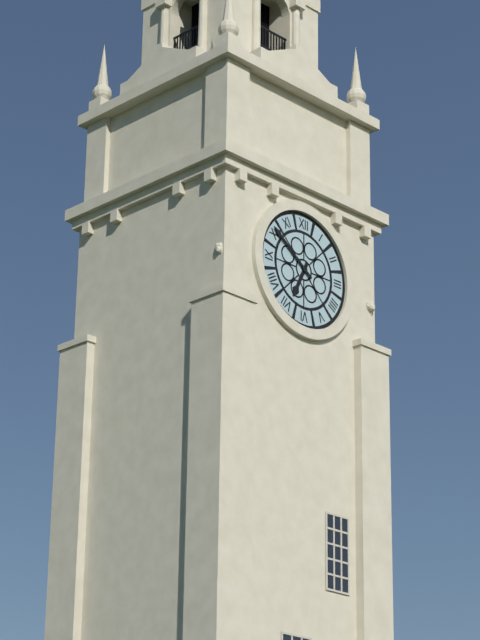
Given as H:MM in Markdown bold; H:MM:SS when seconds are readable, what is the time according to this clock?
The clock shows **6:51**
